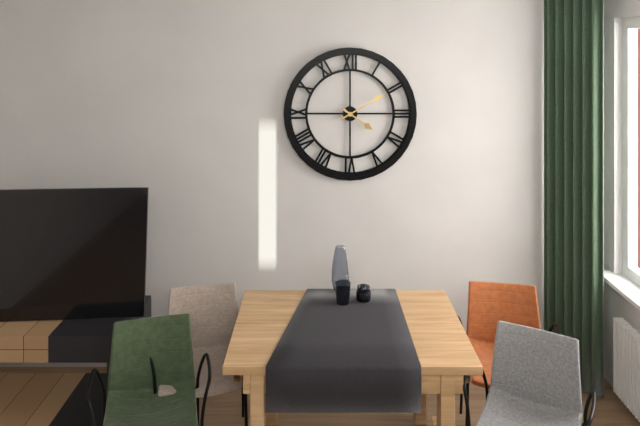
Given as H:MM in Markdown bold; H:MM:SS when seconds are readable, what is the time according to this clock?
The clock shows **4:10**
